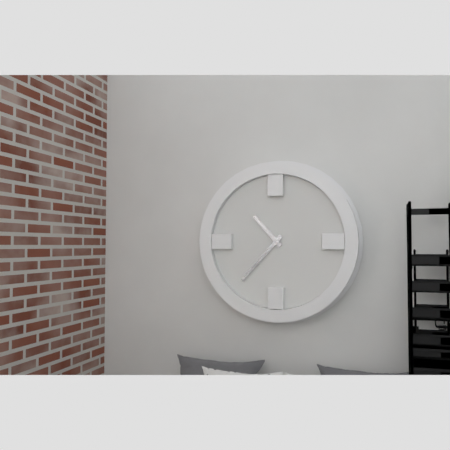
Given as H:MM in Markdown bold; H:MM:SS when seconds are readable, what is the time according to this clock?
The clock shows **10:37**
